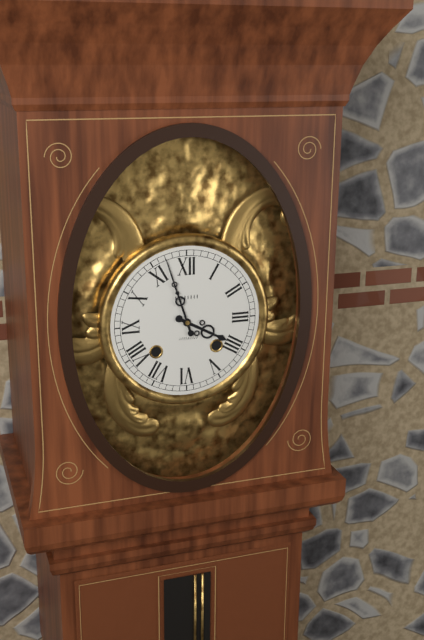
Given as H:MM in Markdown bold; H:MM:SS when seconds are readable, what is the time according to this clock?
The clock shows **3:57**
